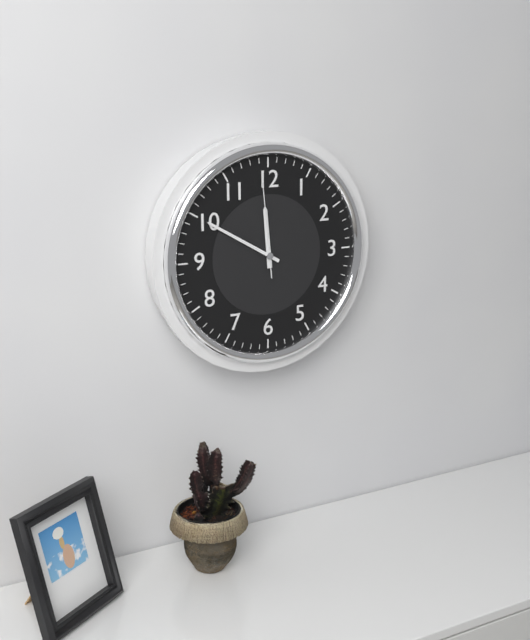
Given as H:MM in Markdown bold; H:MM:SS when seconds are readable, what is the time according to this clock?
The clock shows **11:50:59**
